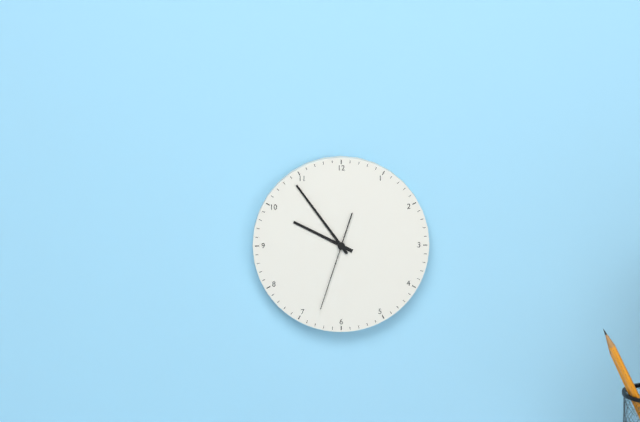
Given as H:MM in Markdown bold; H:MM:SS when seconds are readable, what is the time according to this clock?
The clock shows **9:54:33**
